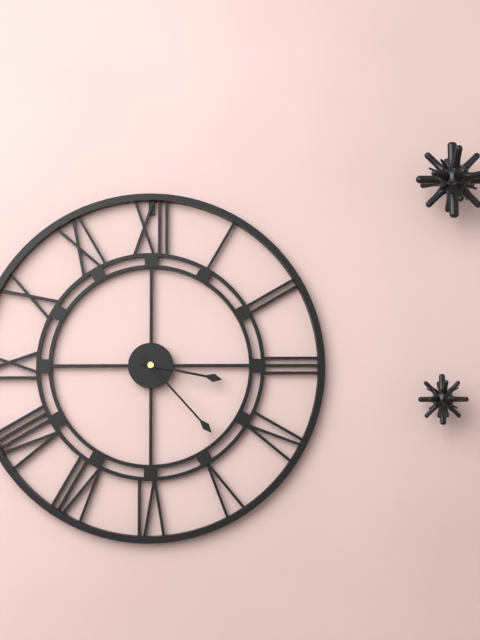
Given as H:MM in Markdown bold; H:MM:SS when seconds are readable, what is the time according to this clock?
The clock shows **3:23**
